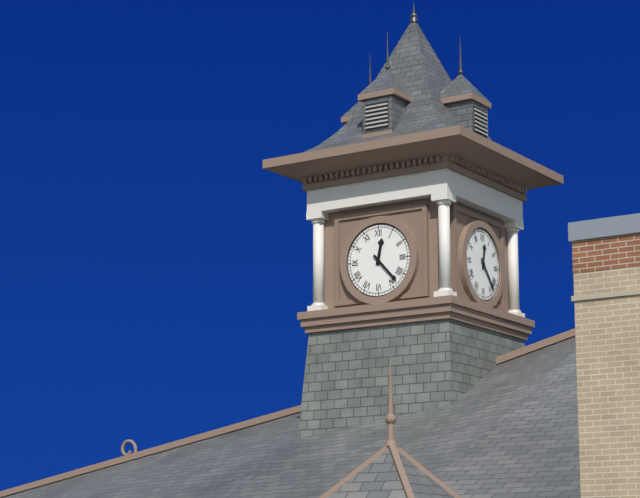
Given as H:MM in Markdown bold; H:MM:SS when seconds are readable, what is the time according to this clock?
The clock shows **12:23**
